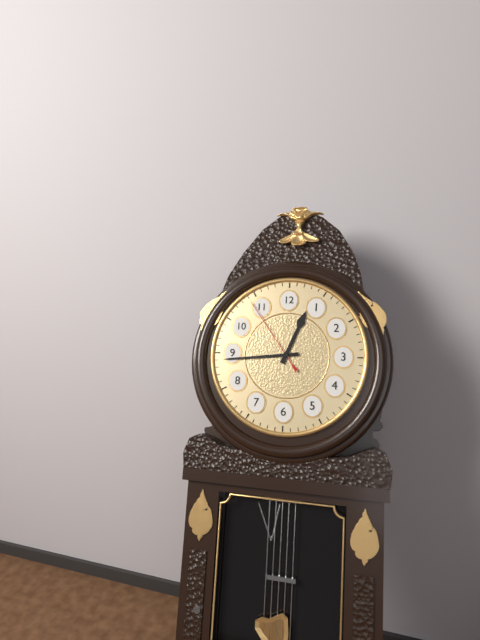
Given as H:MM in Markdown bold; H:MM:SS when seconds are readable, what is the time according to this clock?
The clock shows **12:44:54**
